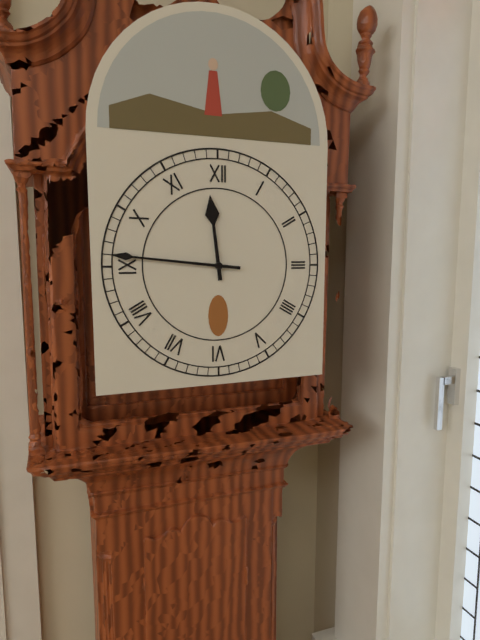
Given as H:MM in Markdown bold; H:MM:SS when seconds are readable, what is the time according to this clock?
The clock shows **11:46**
